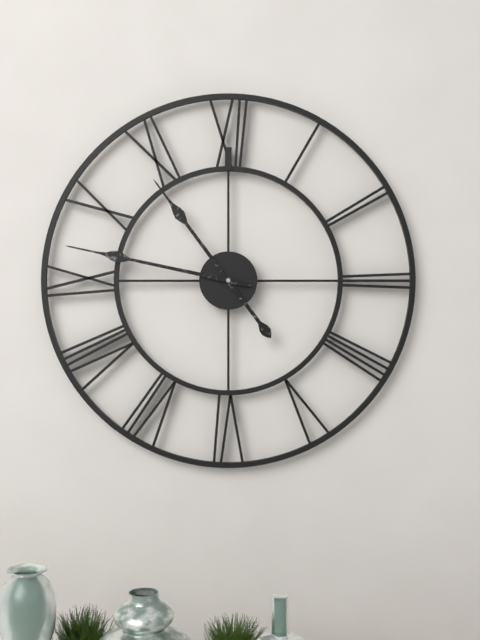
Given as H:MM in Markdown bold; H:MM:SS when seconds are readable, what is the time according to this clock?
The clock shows **10:47**
